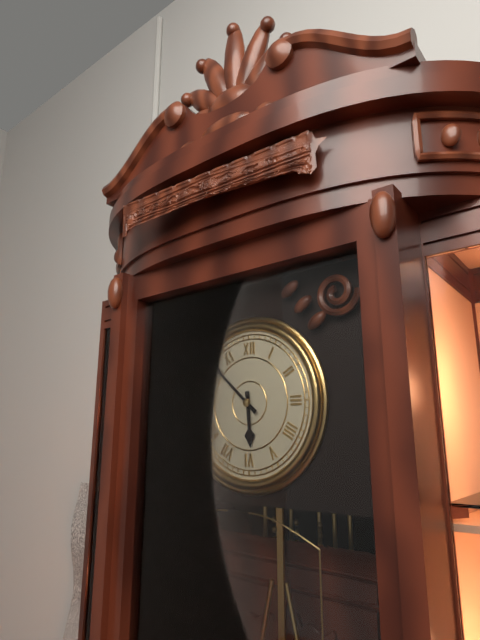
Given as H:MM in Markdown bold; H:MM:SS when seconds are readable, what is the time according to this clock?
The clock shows **5:52**
